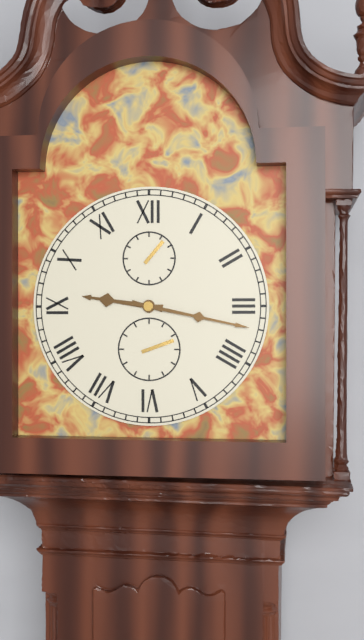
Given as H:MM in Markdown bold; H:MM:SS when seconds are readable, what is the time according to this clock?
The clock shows **9:17**
